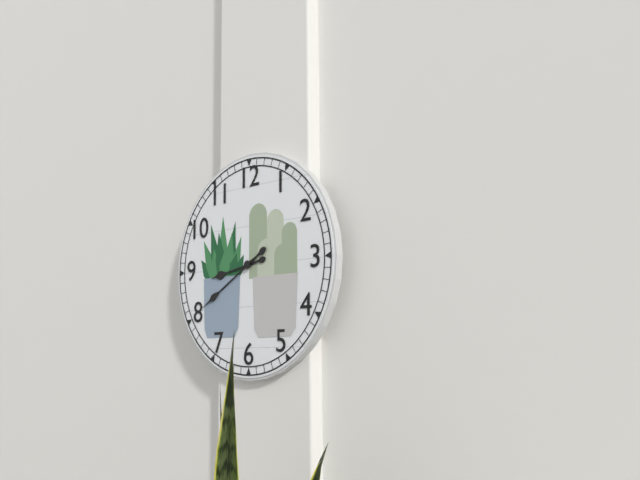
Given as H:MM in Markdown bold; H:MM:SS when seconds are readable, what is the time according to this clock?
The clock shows **8:40**
